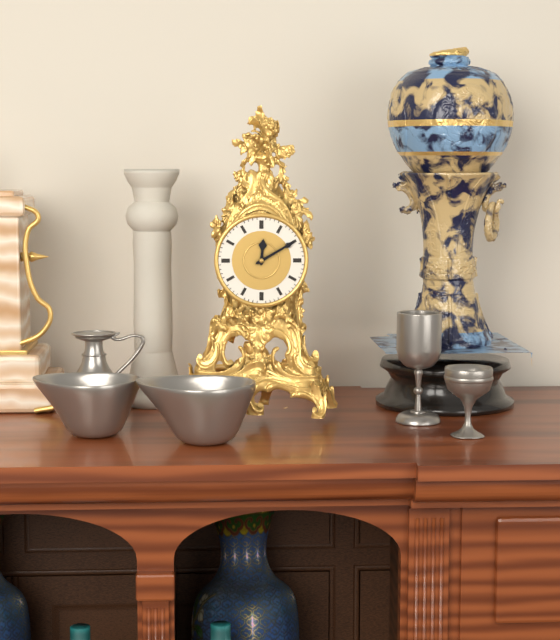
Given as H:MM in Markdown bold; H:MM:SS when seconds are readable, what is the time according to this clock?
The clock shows **12:10**
